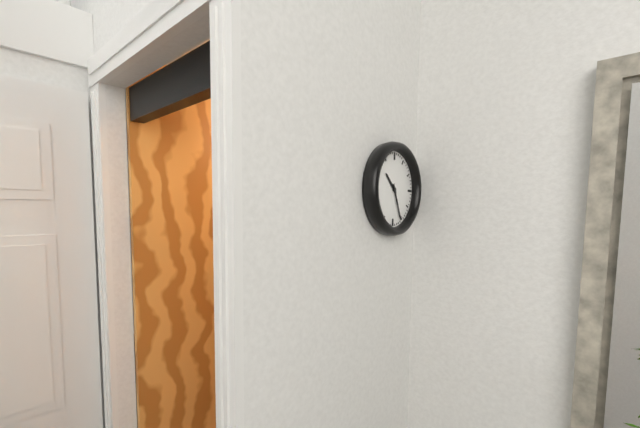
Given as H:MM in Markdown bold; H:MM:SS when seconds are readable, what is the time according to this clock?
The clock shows **10:26**
